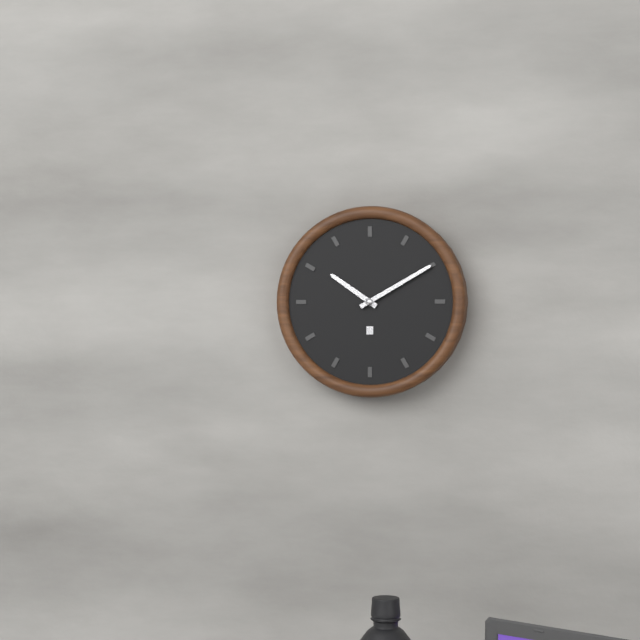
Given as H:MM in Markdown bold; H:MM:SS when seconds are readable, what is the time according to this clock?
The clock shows **10:10**
